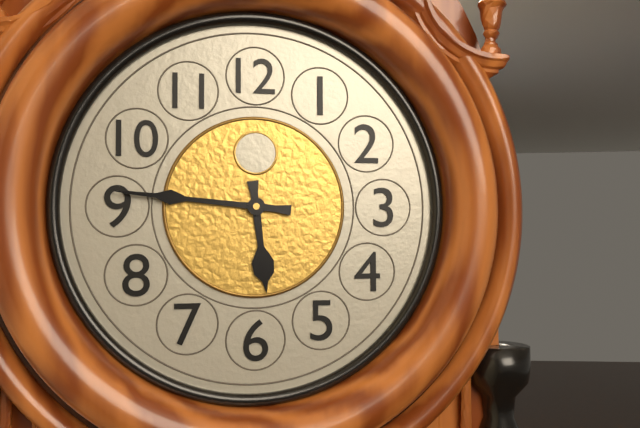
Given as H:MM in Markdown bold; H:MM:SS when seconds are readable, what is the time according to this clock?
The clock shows **5:46**
